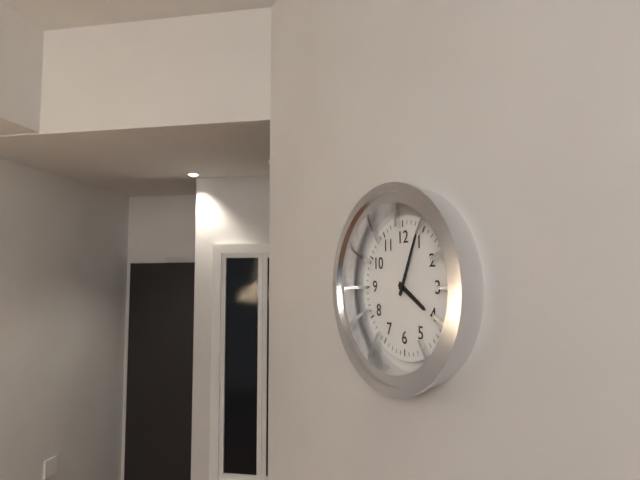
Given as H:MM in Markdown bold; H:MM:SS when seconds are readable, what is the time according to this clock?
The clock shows **4:04**
